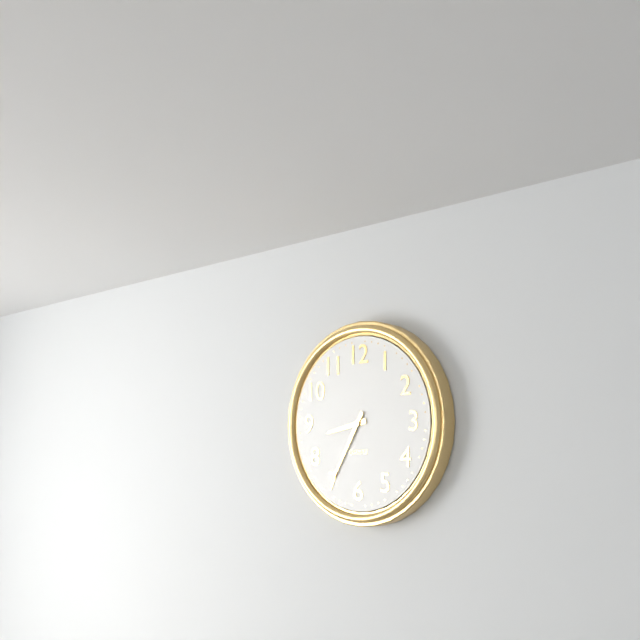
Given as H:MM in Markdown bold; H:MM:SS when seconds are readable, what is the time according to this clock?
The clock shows **8:35**
